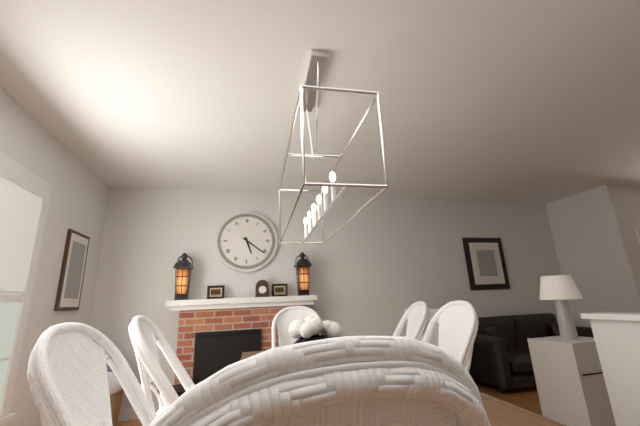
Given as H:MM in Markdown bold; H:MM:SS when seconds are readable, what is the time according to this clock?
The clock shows **5:21**
